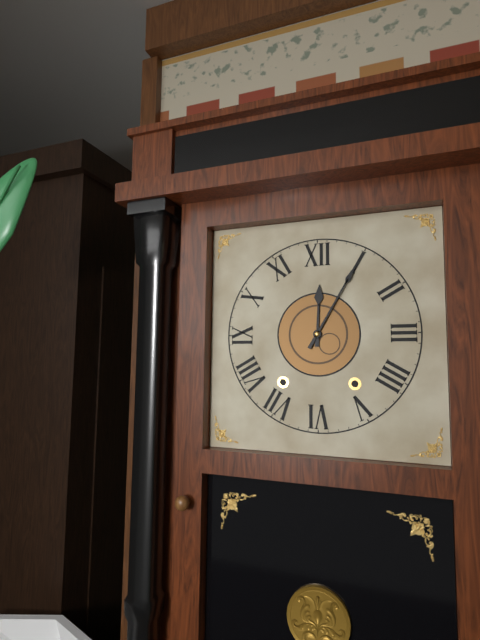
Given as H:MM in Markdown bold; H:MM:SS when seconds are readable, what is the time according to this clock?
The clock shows **12:05**
